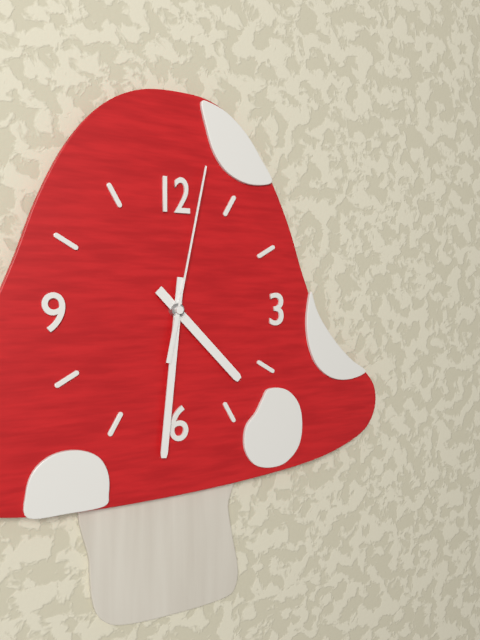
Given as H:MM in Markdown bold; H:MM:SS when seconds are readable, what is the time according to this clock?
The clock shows **4:31:02**
